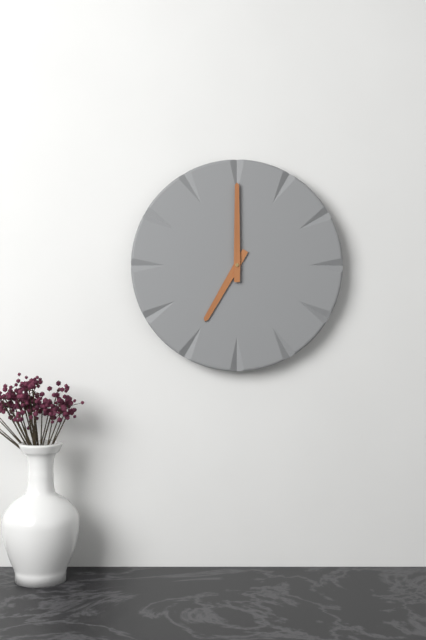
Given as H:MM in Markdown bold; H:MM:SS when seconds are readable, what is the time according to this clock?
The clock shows **7:00**
